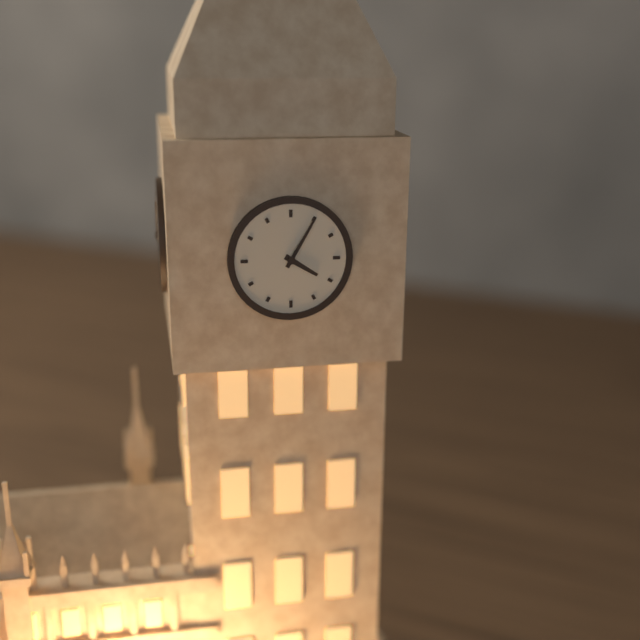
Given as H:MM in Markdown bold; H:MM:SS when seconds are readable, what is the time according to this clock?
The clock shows **4:05**
